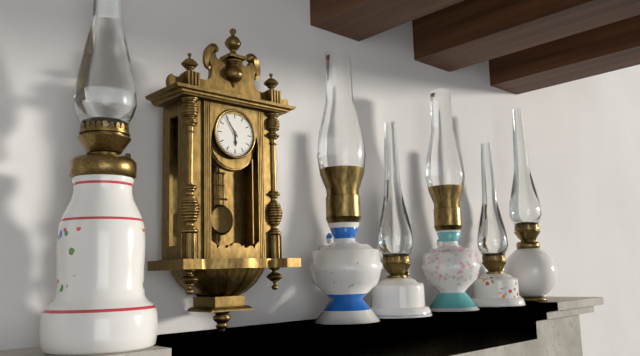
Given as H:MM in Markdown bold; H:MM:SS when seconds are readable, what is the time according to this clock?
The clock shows **5:54**
